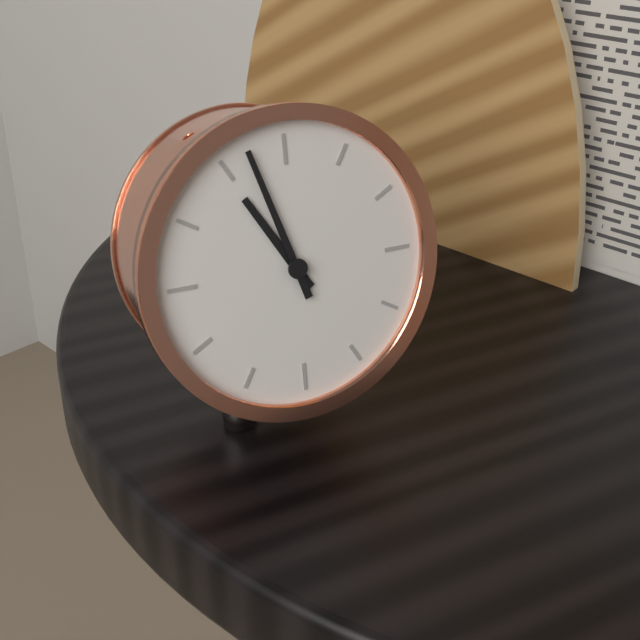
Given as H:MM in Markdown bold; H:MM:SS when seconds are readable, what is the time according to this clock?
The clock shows **10:57**
